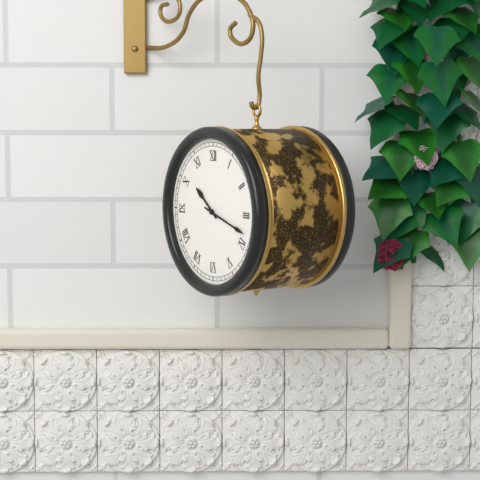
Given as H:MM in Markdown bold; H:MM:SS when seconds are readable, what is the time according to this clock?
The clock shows **10:18**
